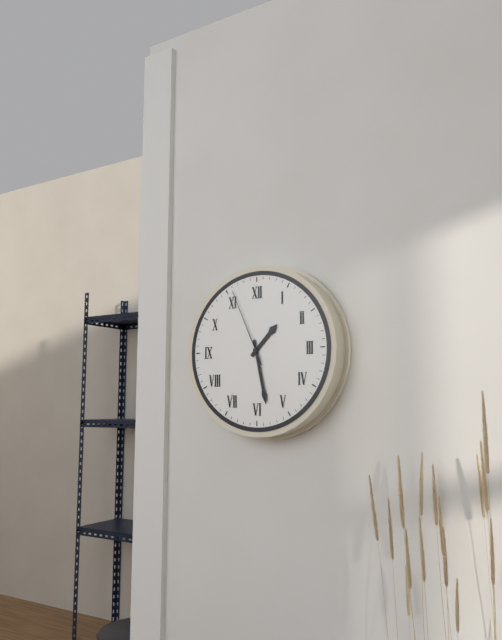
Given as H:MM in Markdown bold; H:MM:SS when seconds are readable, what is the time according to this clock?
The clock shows **1:28:56**
